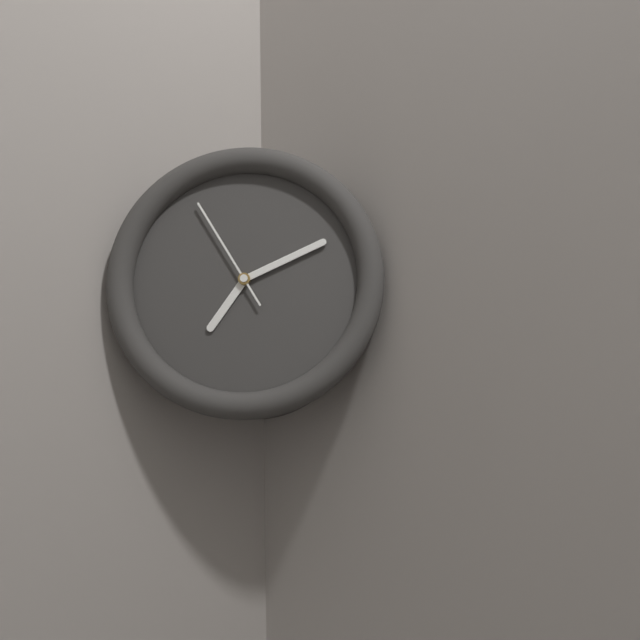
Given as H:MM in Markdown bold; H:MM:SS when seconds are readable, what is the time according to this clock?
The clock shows **7:11:55**
